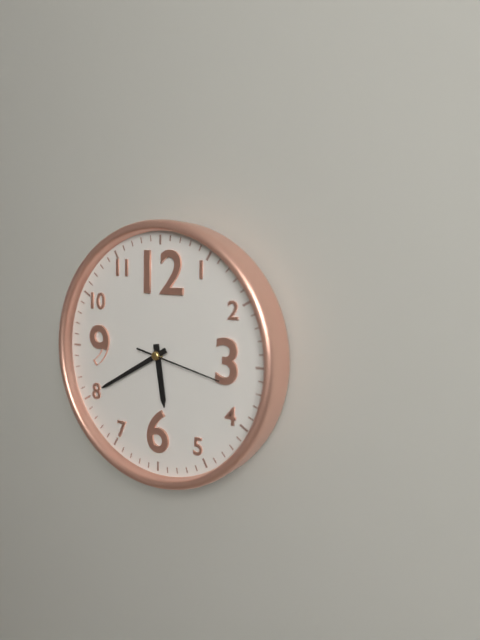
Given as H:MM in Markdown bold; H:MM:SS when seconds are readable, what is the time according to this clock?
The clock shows **5:40:17**
